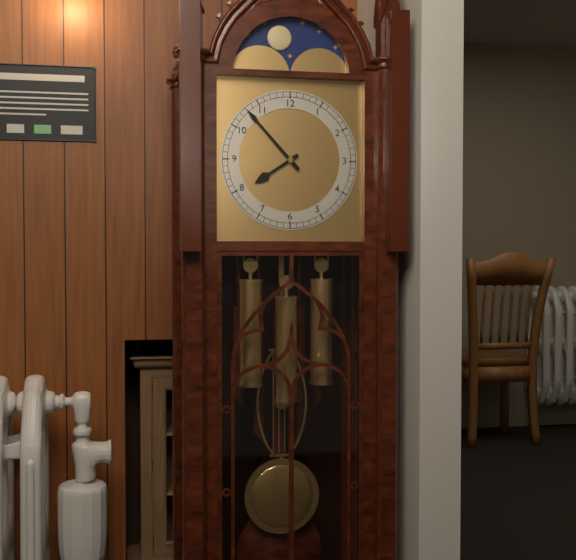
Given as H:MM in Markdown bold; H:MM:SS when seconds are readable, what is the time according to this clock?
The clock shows **7:53**
